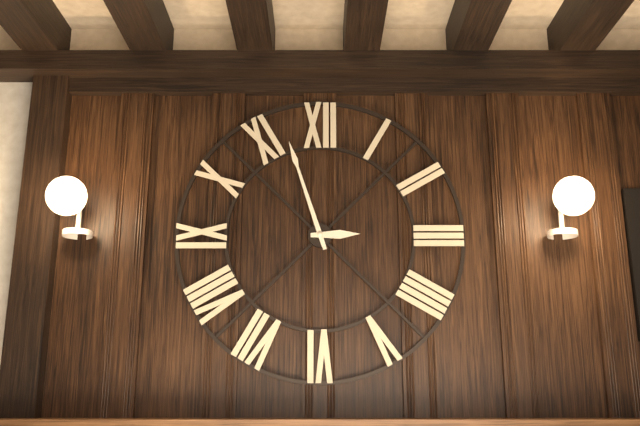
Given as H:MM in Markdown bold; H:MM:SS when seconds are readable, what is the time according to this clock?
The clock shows **2:57**
